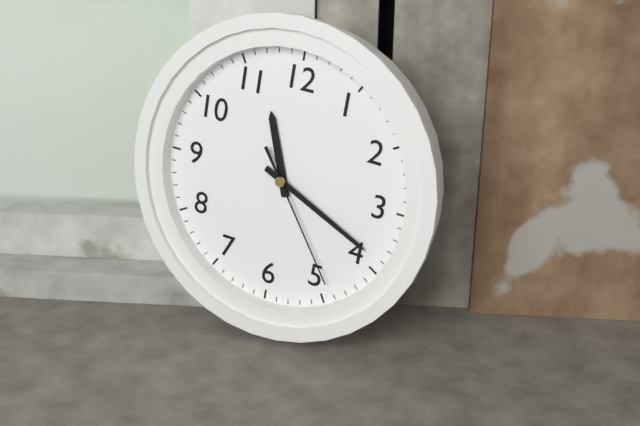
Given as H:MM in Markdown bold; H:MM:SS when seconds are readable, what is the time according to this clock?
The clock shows **11:19:24**
